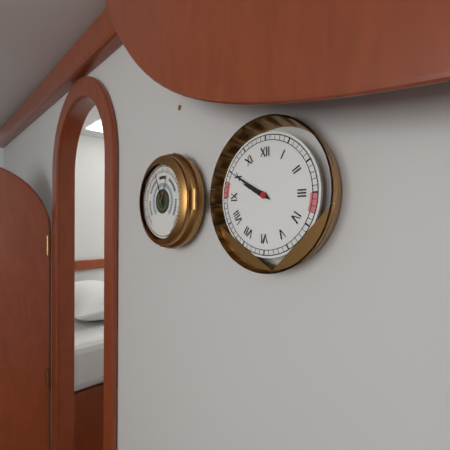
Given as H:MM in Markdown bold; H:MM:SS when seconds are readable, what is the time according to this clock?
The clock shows **9:50**
